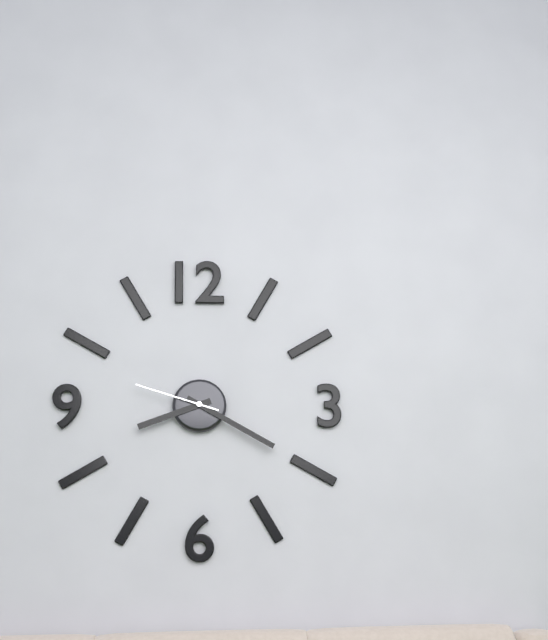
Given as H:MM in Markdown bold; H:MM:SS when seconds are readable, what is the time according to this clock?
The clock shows **8:20:48**
